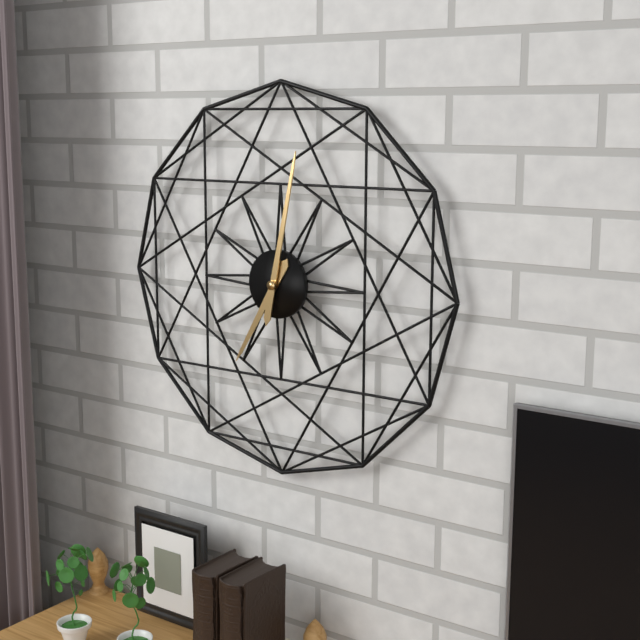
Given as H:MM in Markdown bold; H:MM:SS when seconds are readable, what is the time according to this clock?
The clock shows **7:02**
